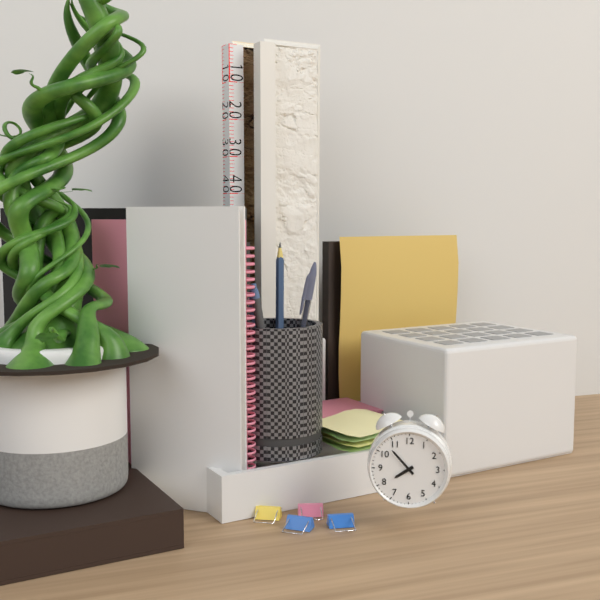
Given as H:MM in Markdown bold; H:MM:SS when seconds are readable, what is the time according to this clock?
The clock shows **7:53**
